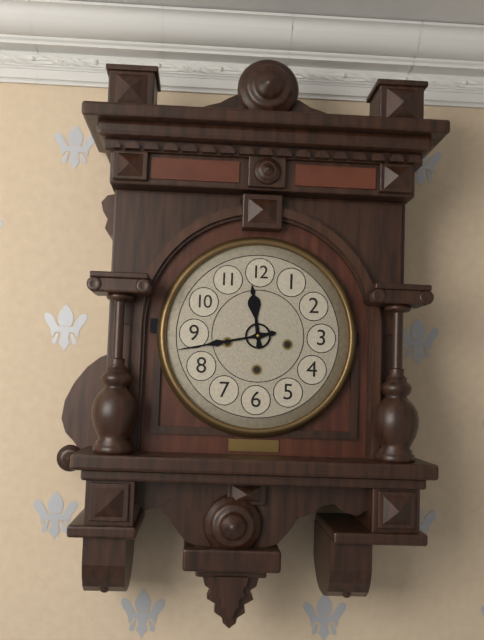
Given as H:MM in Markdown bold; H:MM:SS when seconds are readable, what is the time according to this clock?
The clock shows **11:43**
